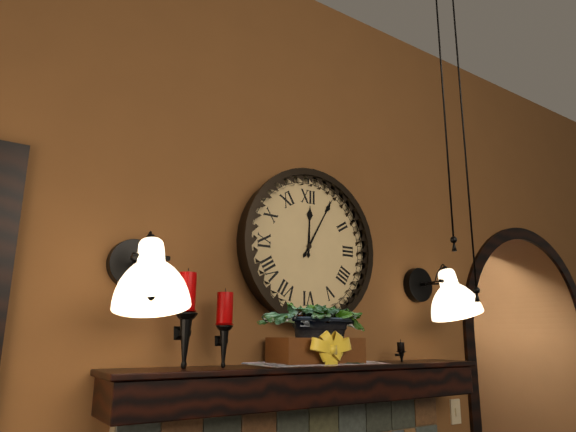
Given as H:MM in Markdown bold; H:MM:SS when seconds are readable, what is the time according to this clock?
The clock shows **12:05**
